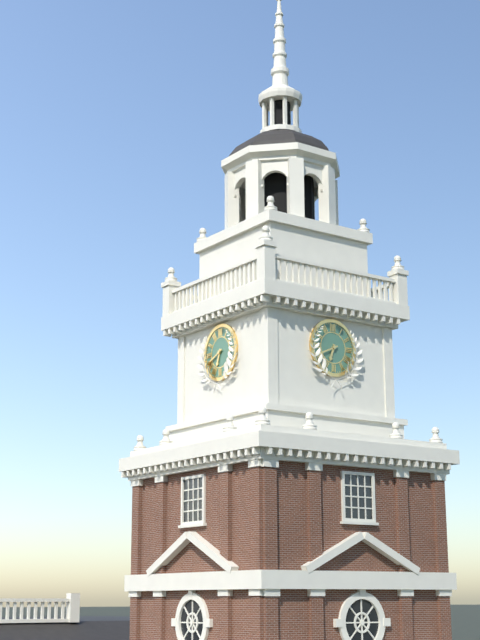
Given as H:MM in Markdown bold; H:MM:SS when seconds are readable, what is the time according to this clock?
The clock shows **6:41**
